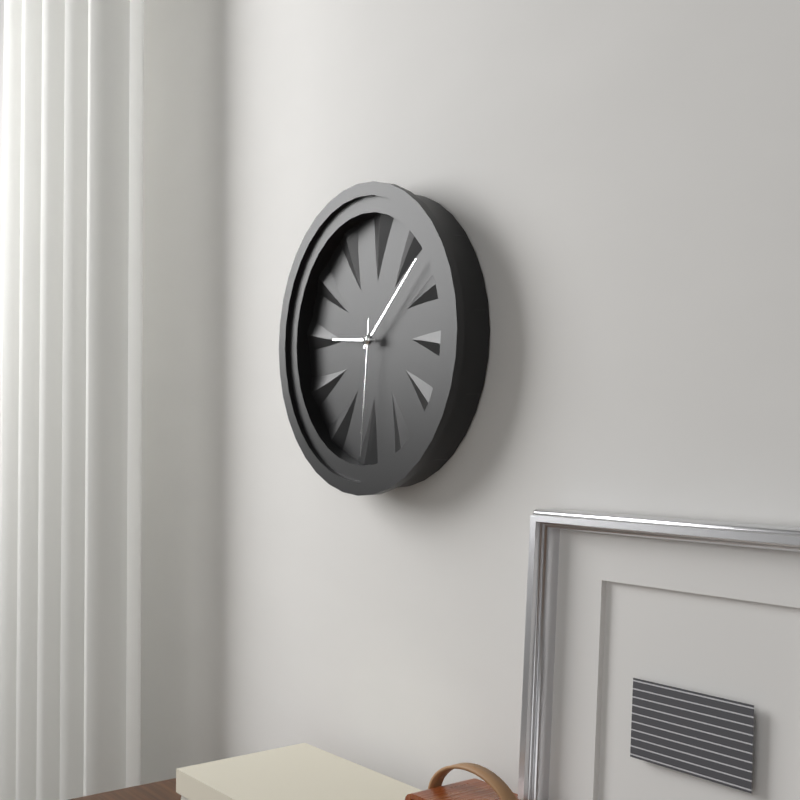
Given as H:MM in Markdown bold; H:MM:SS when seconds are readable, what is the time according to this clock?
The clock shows **9:08:31**
